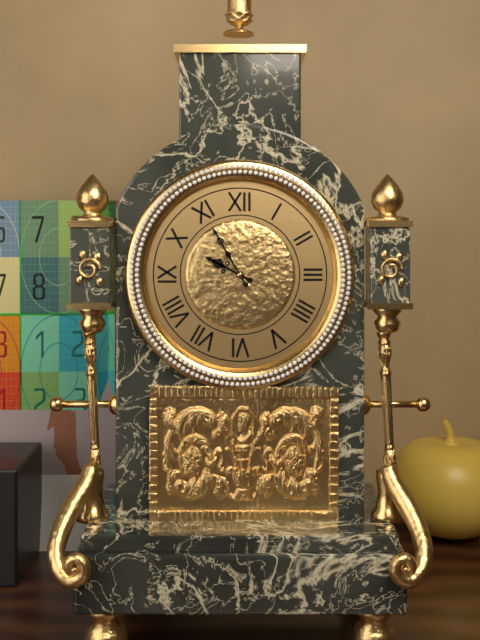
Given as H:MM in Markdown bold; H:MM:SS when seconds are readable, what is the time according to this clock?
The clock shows **9:55**
